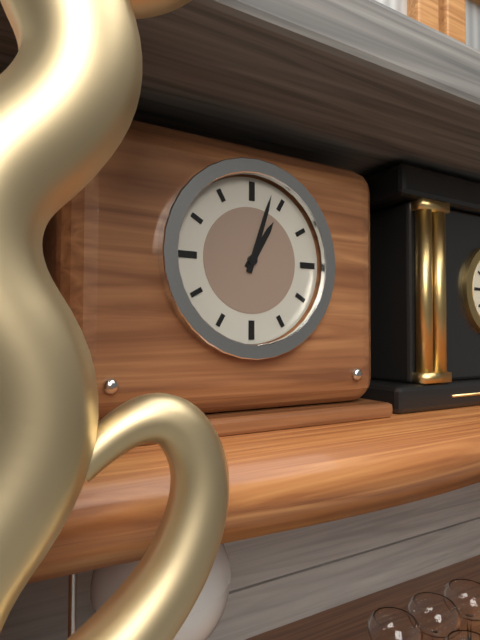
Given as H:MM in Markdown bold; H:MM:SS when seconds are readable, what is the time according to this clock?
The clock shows **1:03**
